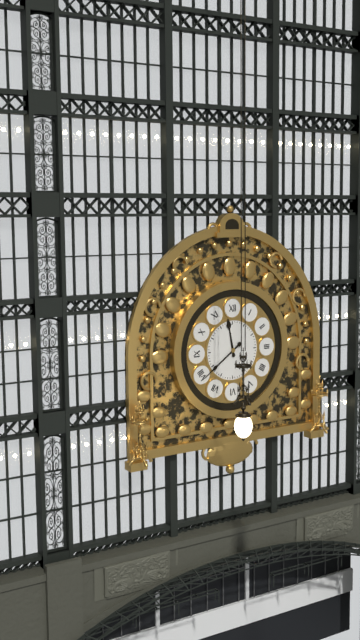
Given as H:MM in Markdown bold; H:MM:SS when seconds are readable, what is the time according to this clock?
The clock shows **11:39**
